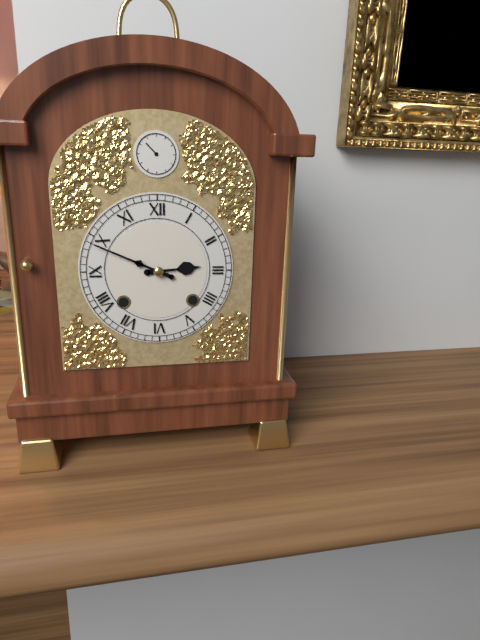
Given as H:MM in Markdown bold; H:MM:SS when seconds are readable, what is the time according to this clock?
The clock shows **2:49**
